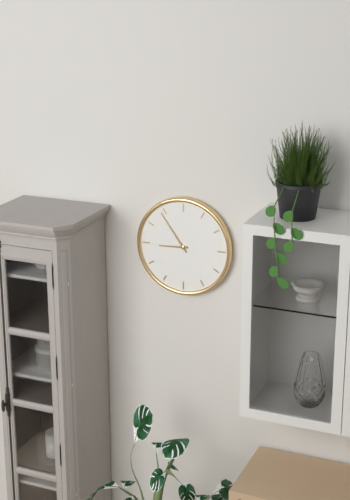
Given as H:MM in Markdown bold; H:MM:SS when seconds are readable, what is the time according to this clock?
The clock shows **8:54**
